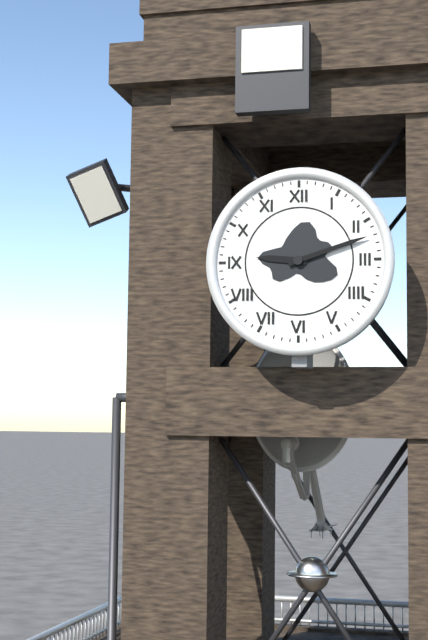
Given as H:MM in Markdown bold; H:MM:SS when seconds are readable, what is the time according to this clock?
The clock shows **9:12**
